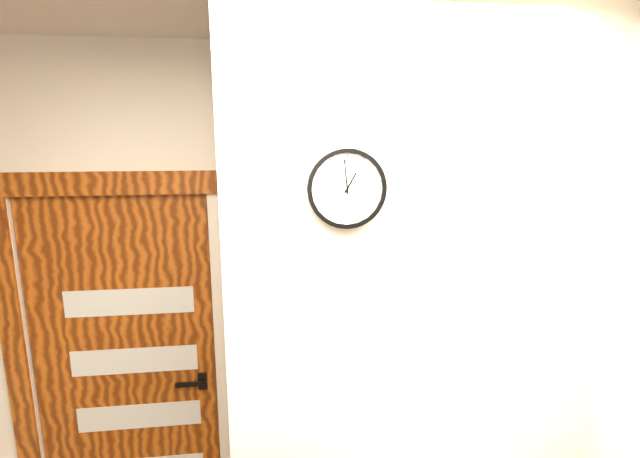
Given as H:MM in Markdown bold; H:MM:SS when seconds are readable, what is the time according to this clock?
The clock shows **12:59**
